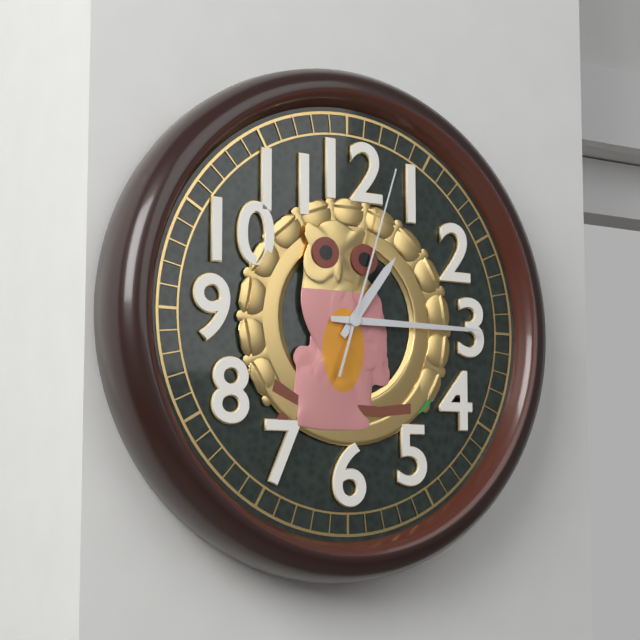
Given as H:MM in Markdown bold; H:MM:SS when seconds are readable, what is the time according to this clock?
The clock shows **1:15:03**
